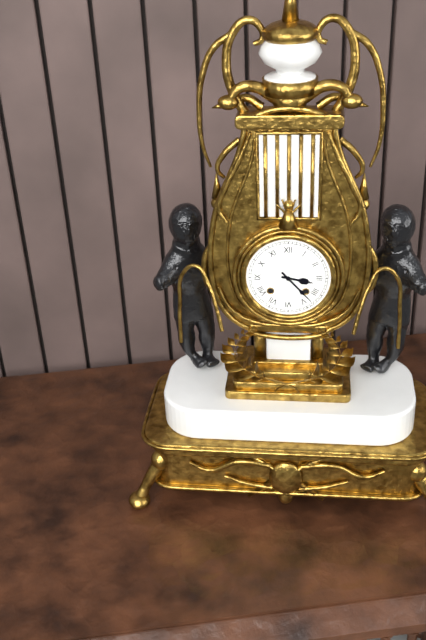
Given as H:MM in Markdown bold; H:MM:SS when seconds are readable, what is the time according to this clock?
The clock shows **3:23**
